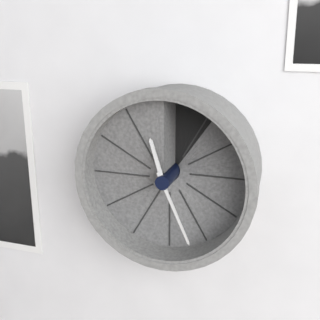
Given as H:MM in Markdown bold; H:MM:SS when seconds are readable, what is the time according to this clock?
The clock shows **11:26**
